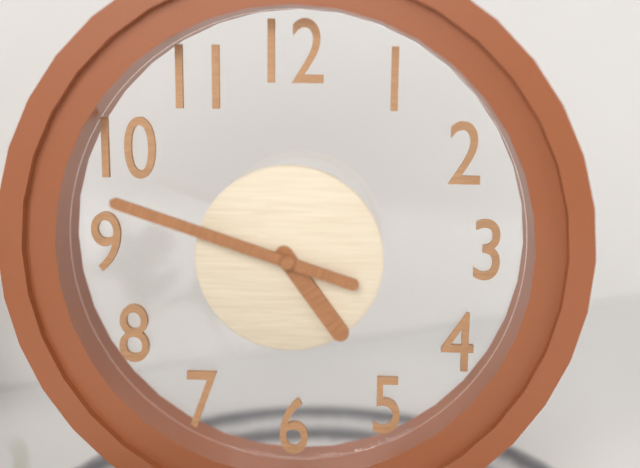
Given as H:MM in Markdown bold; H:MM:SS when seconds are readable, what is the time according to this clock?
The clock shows **4:48**
